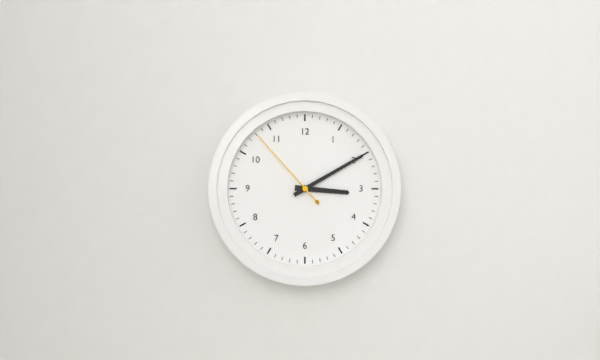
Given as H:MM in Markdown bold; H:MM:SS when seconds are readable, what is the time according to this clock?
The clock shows **3:10:53**
